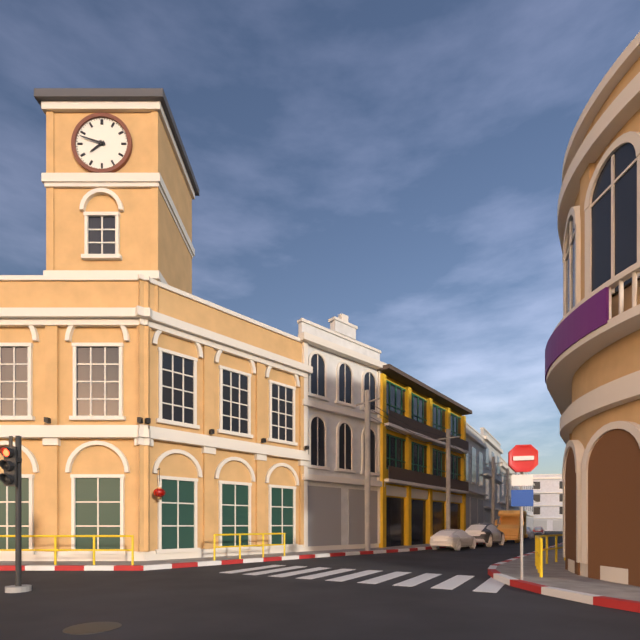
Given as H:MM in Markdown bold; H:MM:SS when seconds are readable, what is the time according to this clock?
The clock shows **7:48**
